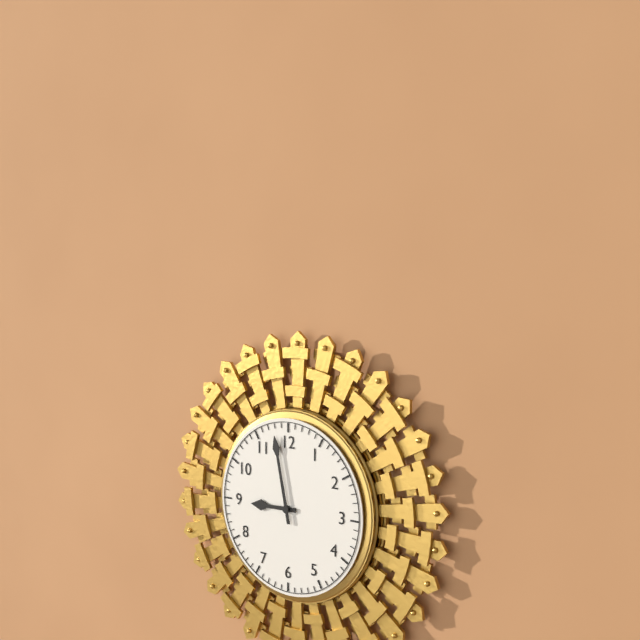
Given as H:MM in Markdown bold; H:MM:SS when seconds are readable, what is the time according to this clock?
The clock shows **8:58**
